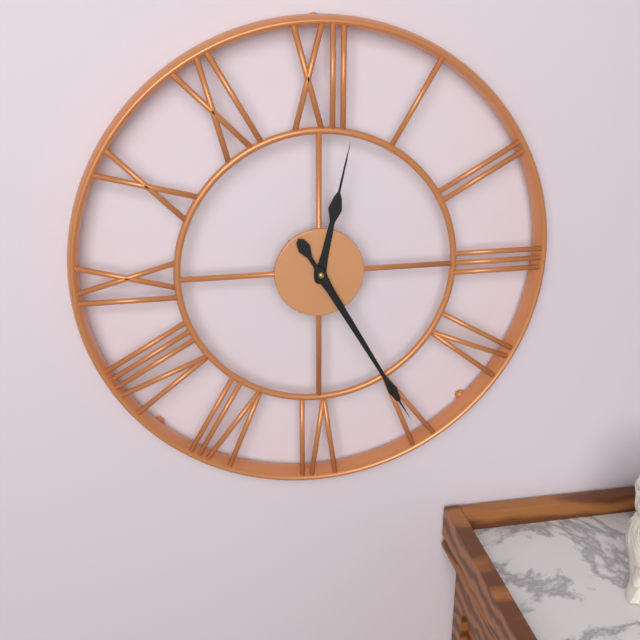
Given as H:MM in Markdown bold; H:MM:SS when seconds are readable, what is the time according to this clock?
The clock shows **12:25**
